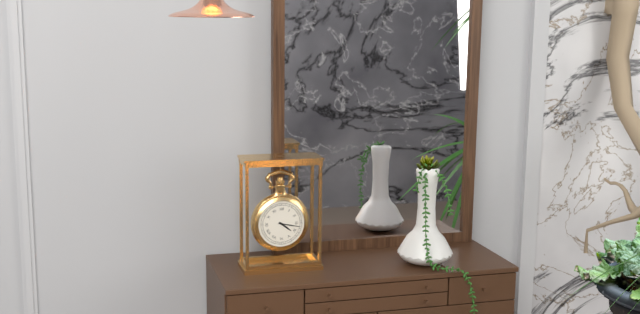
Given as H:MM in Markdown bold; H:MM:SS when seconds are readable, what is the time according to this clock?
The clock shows **4:17**
